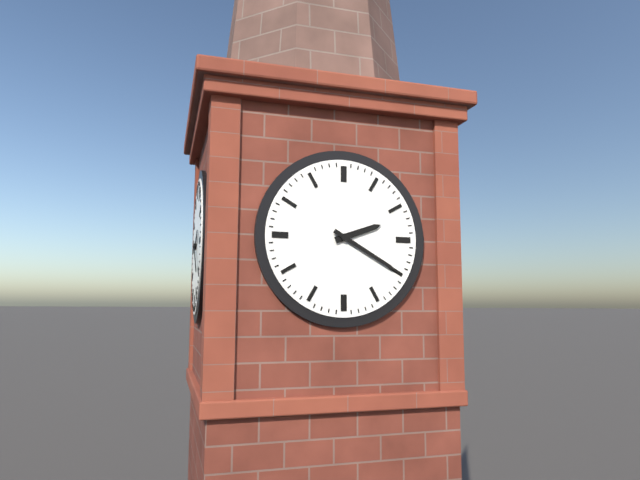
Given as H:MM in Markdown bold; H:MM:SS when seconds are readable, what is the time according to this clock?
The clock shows **2:20**
